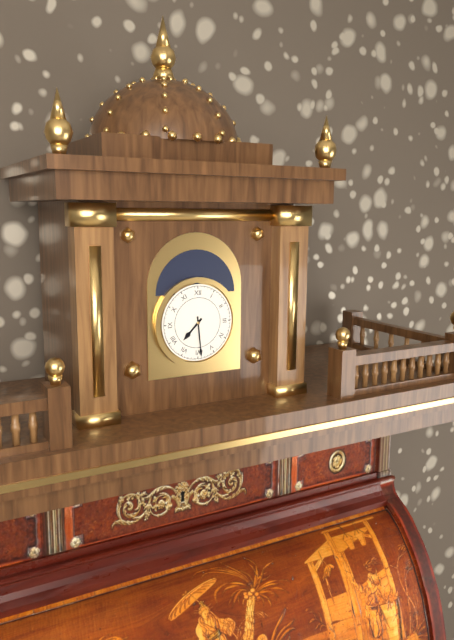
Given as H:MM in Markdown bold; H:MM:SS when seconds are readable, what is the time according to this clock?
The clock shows **7:29**
